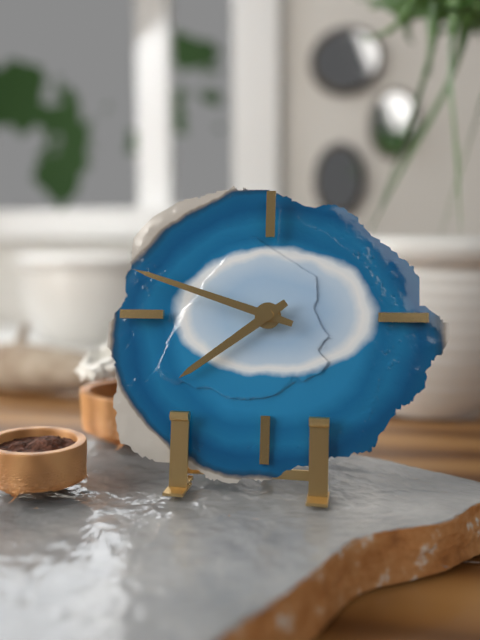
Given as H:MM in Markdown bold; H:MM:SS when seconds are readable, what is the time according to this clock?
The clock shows **7:48**
